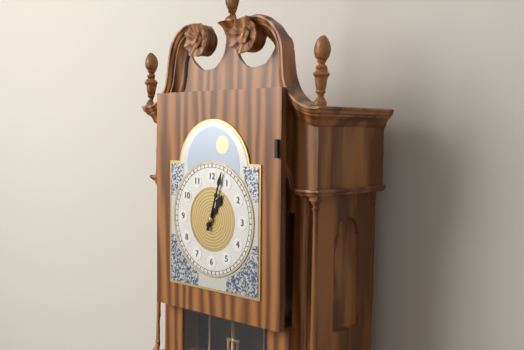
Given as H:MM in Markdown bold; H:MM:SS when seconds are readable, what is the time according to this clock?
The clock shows **1:03**
